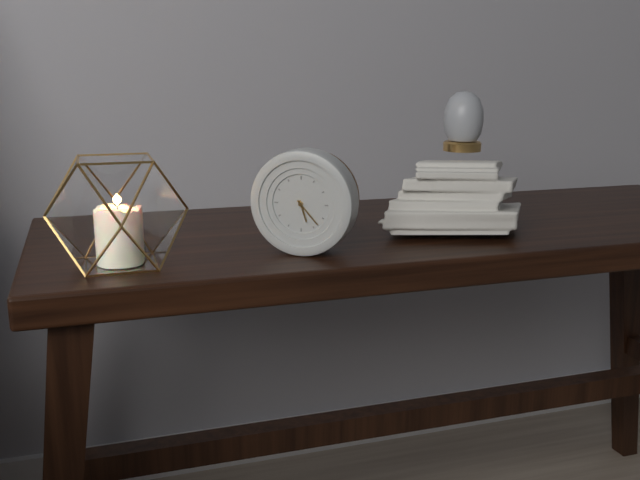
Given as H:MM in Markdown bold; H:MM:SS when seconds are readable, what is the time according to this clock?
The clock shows **5:23**
